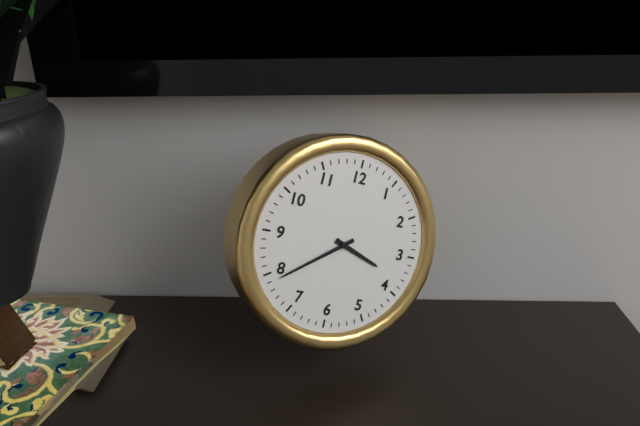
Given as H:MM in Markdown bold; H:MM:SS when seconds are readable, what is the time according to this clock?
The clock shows **3:39**
